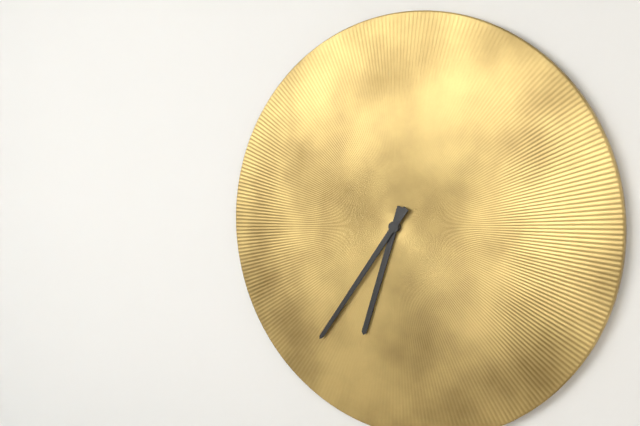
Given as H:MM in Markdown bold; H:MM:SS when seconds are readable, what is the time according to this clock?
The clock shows **6:36**
